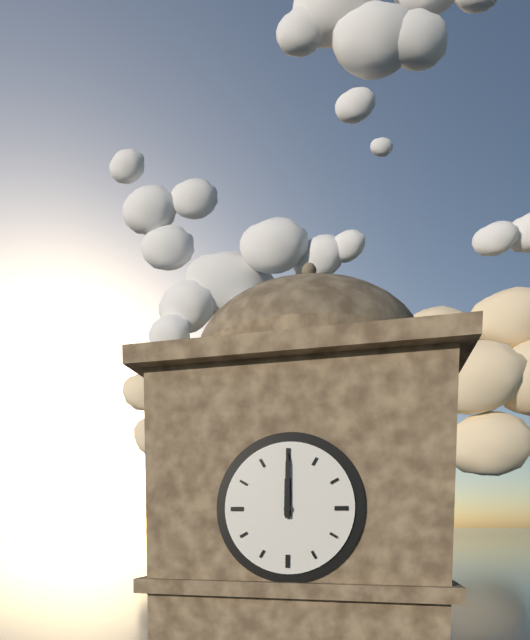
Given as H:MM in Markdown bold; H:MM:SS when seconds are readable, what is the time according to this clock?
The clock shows **12:00**
